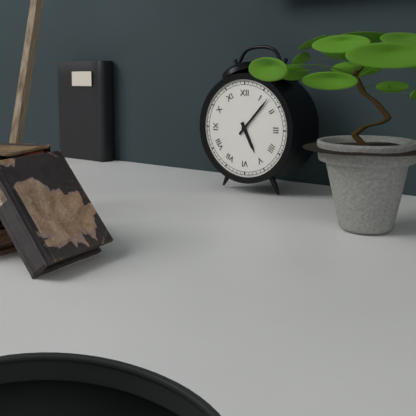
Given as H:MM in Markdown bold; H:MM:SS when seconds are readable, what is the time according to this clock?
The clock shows **5:07**
